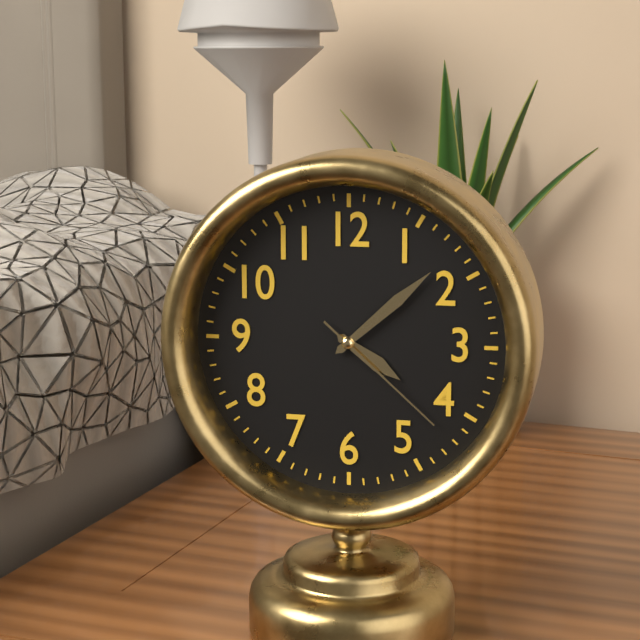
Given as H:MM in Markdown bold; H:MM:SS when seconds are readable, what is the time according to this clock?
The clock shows **4:08:22**
